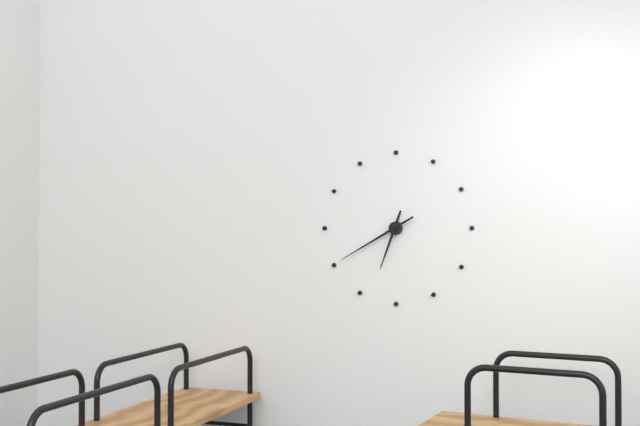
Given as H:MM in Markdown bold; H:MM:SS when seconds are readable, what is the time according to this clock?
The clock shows **6:40**
